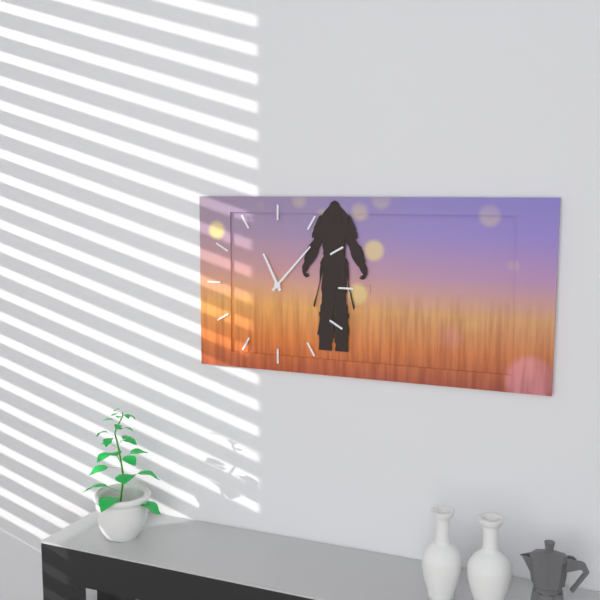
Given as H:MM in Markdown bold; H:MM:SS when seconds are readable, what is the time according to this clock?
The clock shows **11:07**
